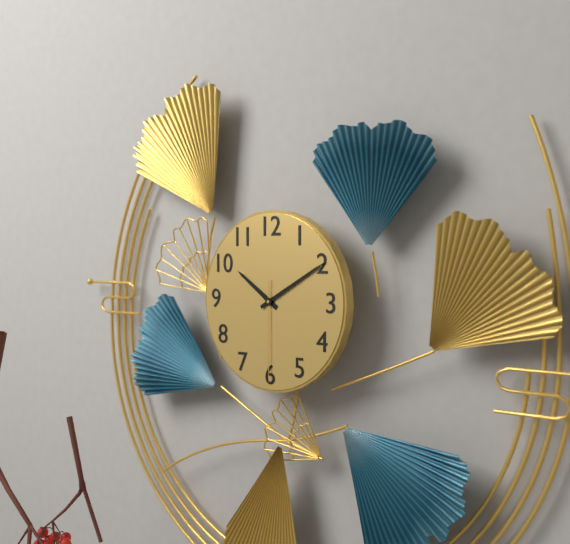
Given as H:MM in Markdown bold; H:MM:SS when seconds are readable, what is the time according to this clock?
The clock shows **10:10:30**
